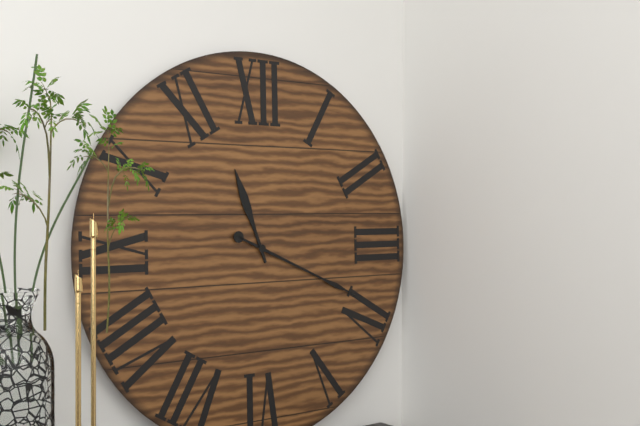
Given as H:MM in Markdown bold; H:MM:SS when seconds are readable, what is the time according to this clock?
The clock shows **11:19**
